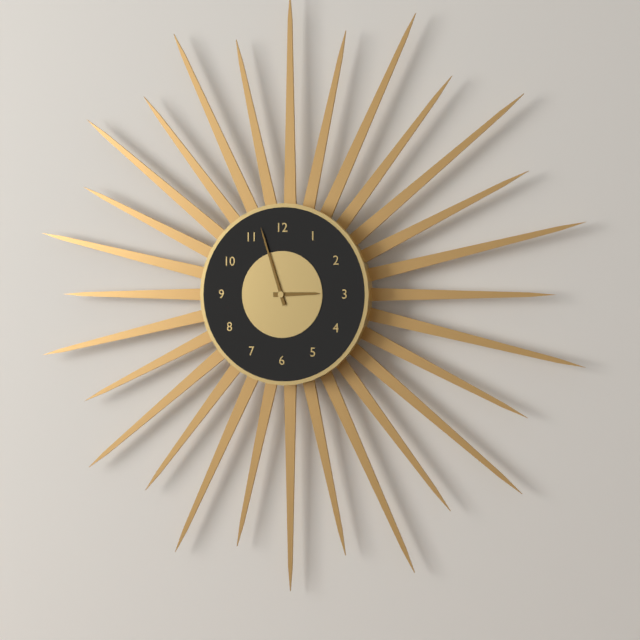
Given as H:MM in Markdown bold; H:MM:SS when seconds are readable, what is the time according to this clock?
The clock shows **2:57**
